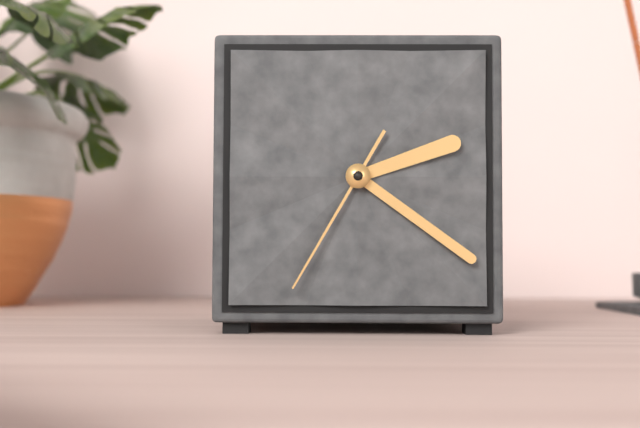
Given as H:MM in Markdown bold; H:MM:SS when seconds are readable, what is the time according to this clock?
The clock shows **2:21:35**
